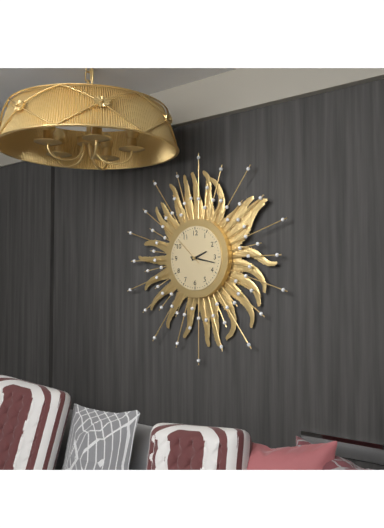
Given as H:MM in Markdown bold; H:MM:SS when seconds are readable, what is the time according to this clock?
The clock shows **2:17**
